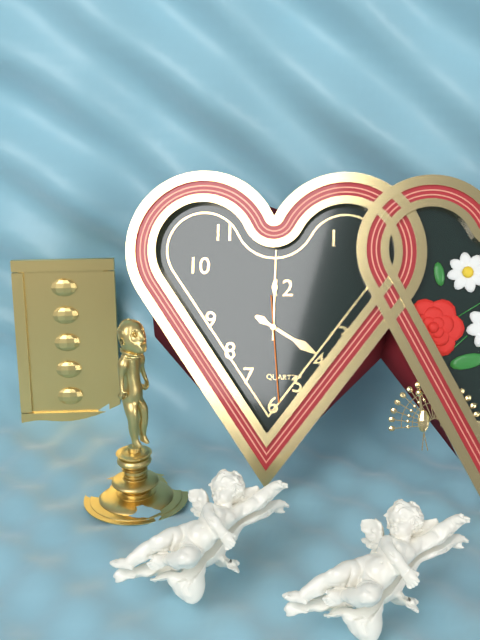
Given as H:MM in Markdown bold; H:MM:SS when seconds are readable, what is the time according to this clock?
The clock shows **4:00:29**
